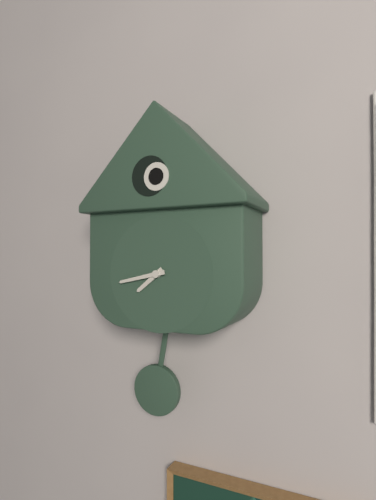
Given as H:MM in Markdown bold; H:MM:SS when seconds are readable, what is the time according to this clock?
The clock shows **7:43**
